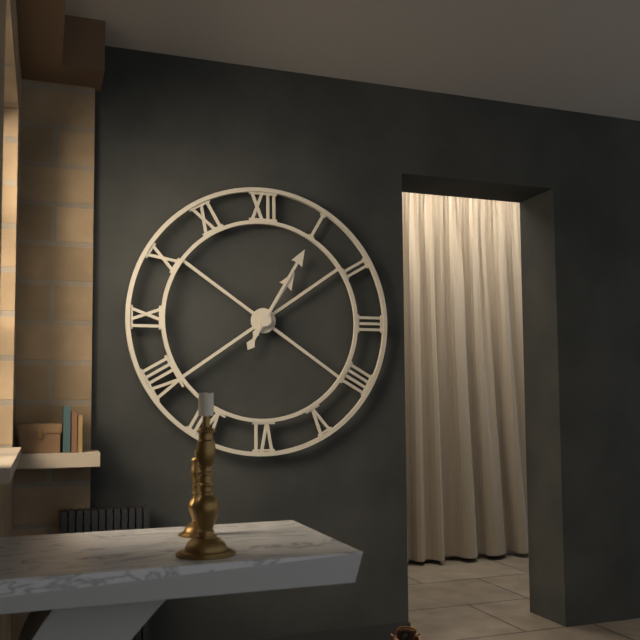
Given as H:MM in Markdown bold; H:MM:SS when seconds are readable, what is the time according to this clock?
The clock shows **1:05**
